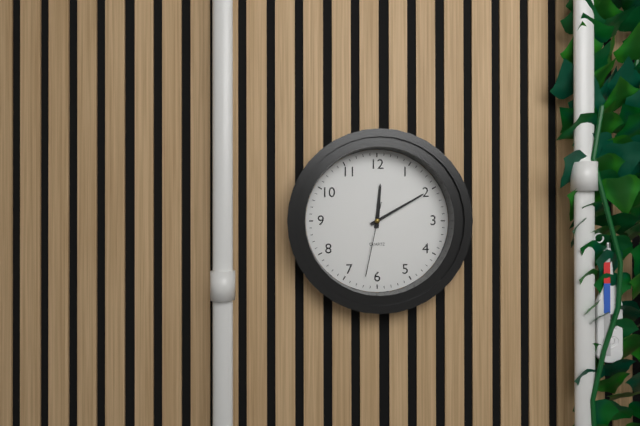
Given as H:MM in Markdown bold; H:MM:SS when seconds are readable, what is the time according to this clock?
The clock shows **12:10:32**
